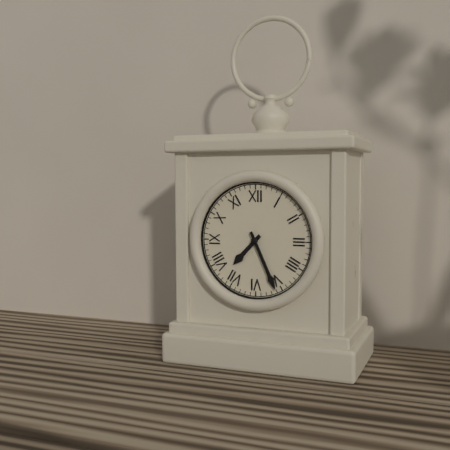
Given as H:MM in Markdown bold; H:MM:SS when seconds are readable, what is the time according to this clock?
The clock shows **7:26**
